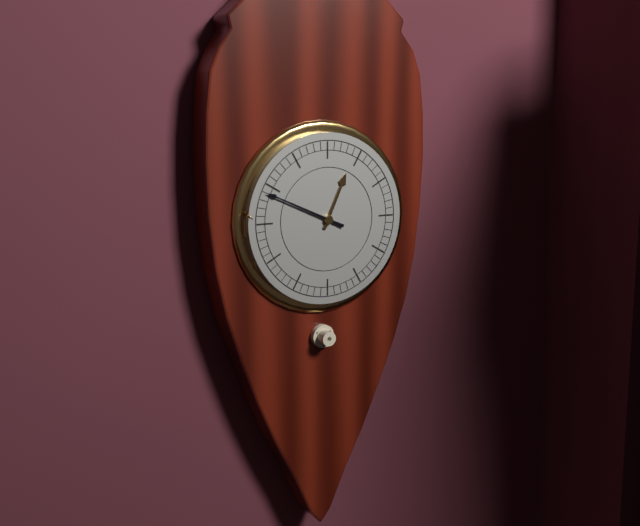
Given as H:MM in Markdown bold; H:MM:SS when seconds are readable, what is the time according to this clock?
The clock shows **12:49**
